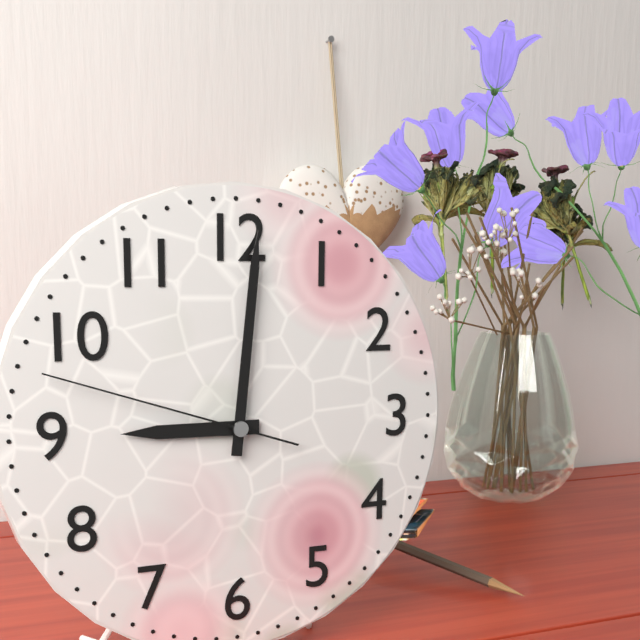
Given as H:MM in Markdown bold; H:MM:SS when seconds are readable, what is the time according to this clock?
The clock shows **9:01:48**
